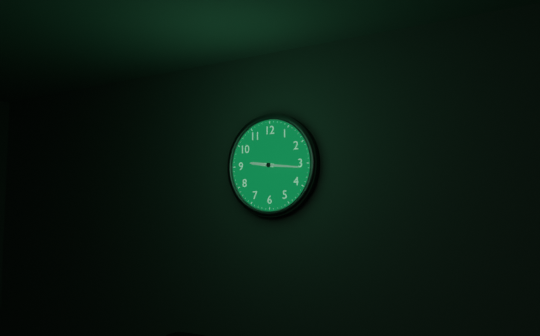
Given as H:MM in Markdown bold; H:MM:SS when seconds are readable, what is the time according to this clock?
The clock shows **9:16**
